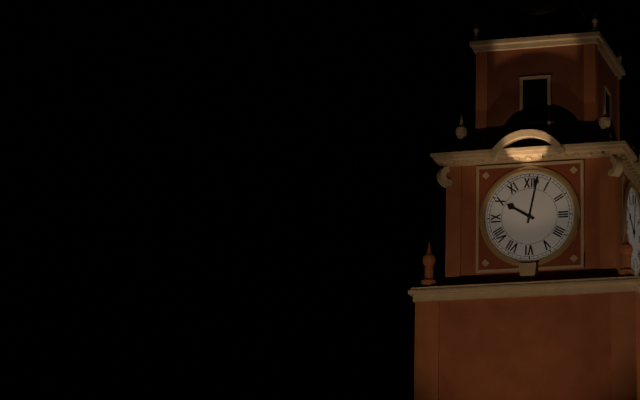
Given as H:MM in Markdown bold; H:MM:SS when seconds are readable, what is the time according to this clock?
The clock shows **10:02**
